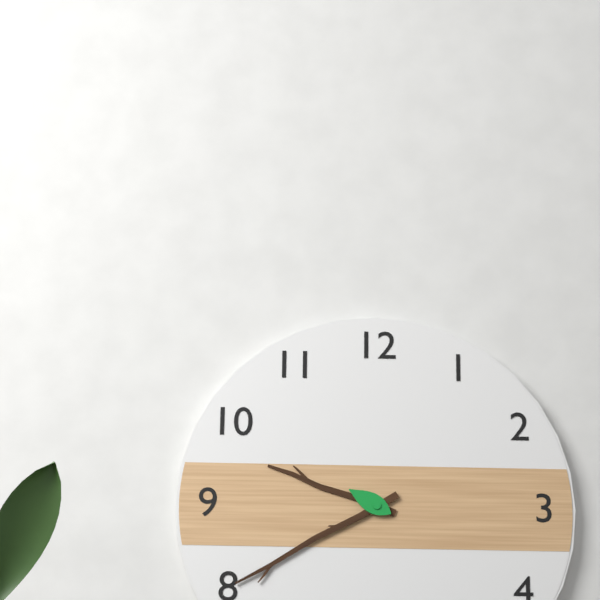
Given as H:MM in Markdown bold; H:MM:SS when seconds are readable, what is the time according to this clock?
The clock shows **9:40**
